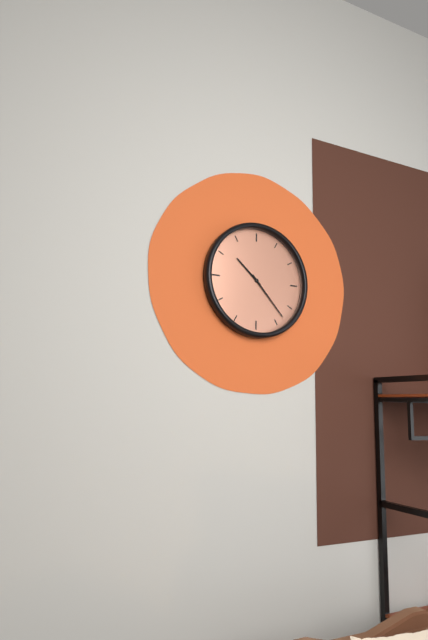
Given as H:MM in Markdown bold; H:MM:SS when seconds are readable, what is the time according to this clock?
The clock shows **10:23**
